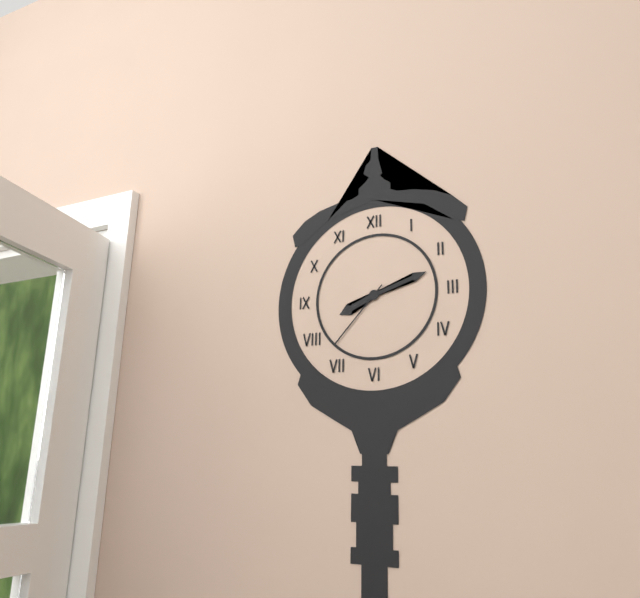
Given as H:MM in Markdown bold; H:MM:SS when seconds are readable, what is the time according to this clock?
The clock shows **8:12:37**
